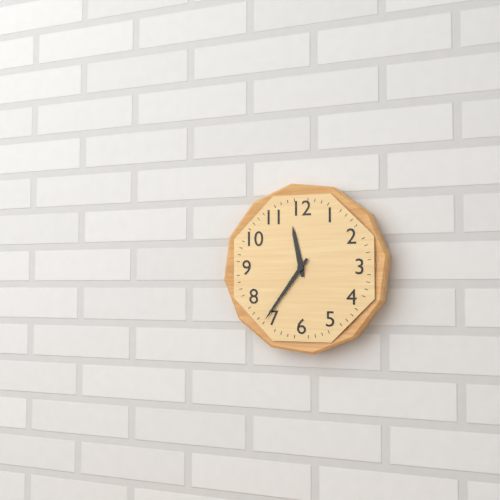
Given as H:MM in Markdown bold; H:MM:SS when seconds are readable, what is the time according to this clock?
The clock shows **11:36**
